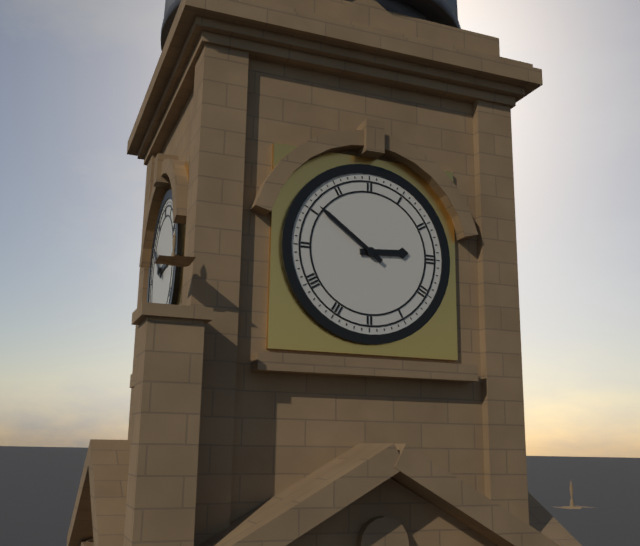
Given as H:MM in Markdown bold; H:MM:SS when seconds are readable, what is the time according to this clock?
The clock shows **2:51**
